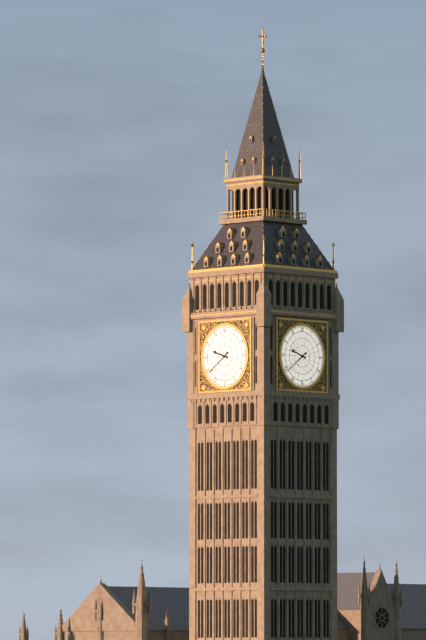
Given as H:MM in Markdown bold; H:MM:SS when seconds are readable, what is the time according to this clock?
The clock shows **9:39**
